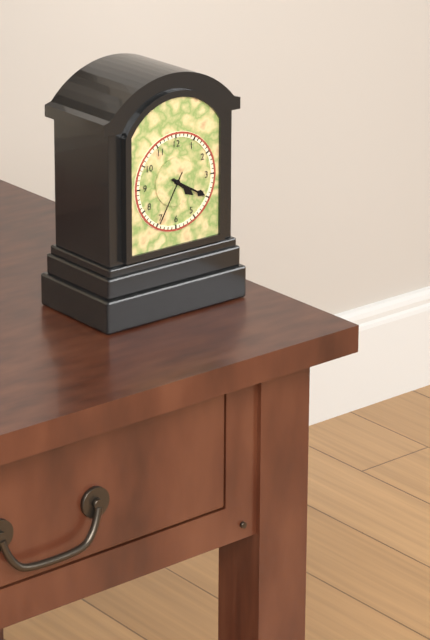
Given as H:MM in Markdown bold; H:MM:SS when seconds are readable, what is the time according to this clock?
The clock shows **4:20:35**
